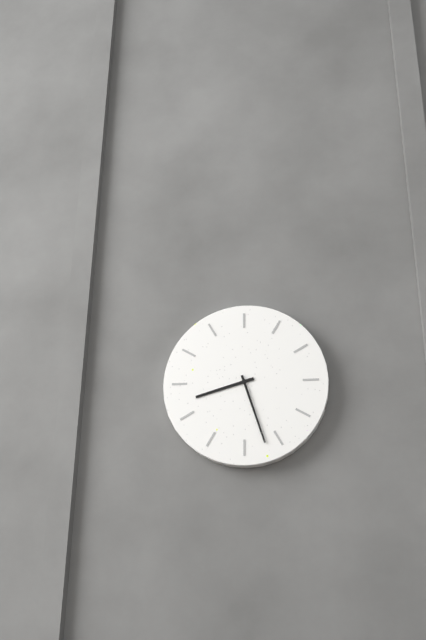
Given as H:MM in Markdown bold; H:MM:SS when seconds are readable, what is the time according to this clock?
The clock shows **8:27**
